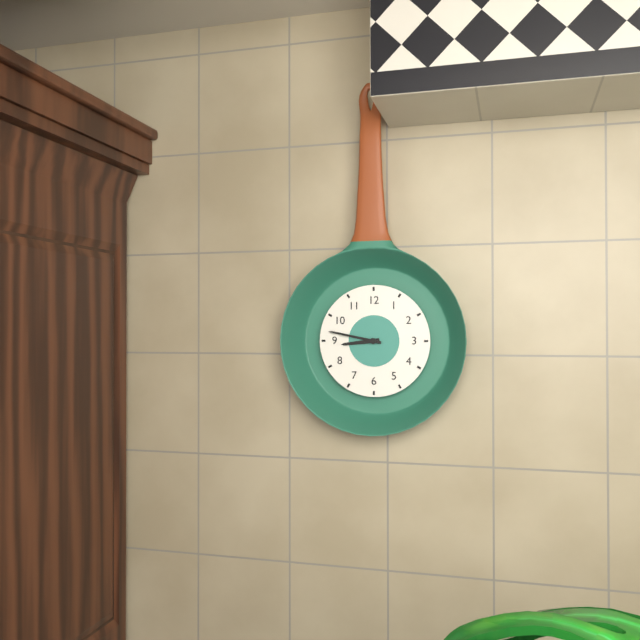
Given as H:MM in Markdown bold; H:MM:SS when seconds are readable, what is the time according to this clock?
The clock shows **8:47**
